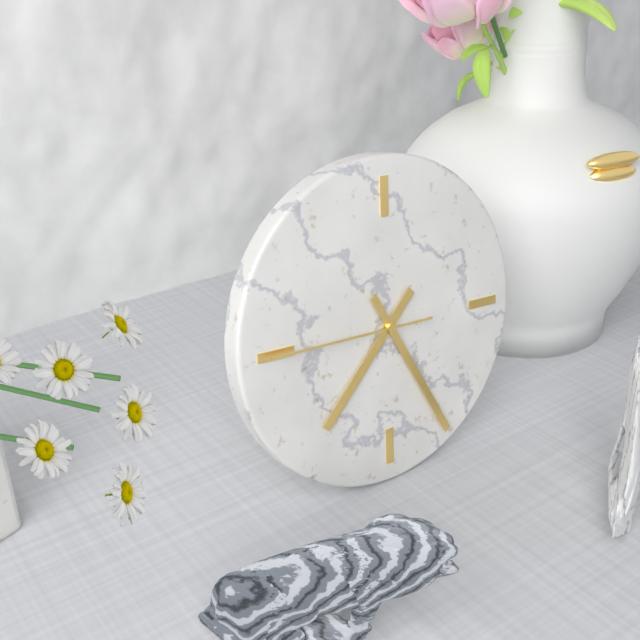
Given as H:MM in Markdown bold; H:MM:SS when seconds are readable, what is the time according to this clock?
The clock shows **7:25:45**
